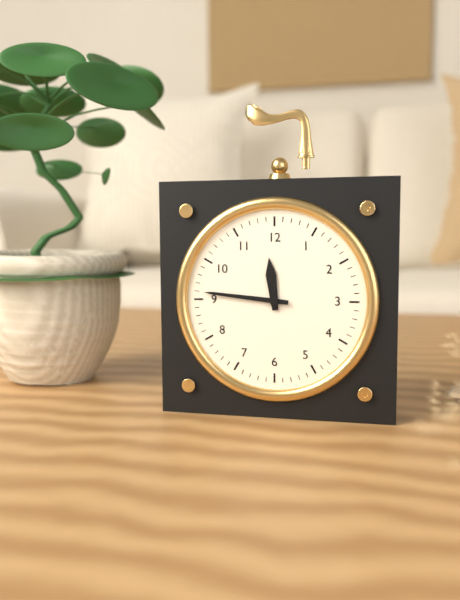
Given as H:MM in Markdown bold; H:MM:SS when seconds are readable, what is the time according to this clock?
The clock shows **11:46**
